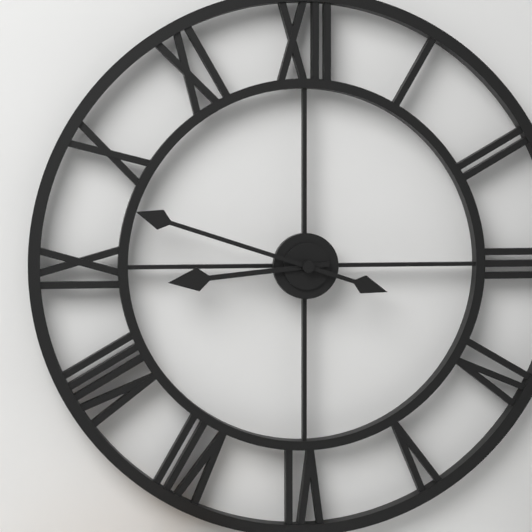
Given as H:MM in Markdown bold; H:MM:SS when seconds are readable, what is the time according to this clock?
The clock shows **8:48**
